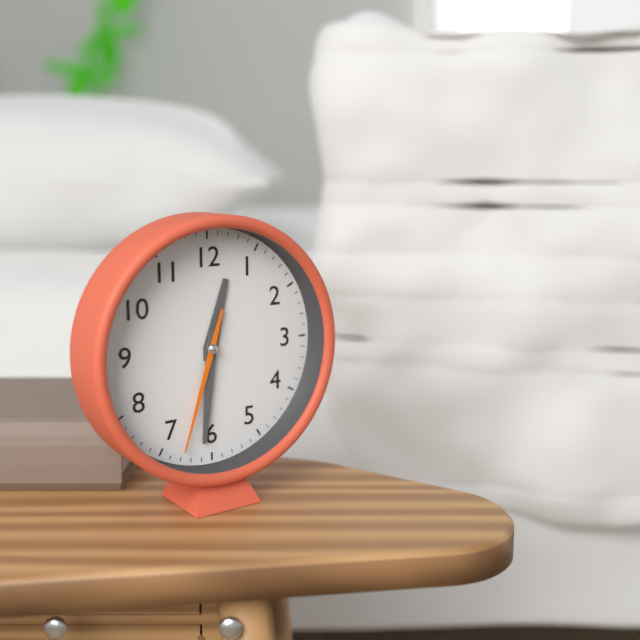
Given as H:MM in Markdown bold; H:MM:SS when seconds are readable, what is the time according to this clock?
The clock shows **12:31:33**
